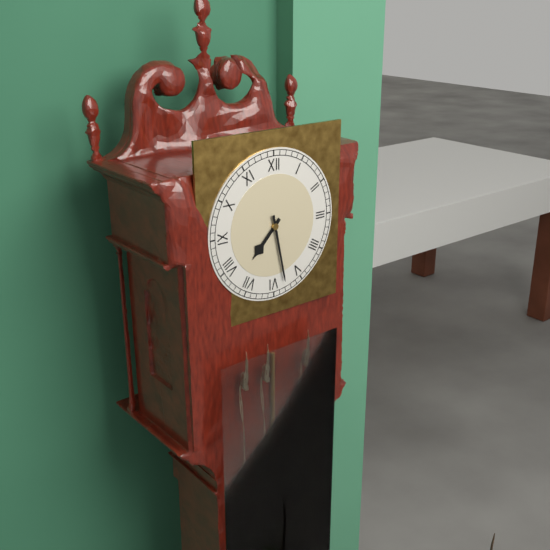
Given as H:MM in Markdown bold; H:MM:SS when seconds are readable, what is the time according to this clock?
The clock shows **7:28**
